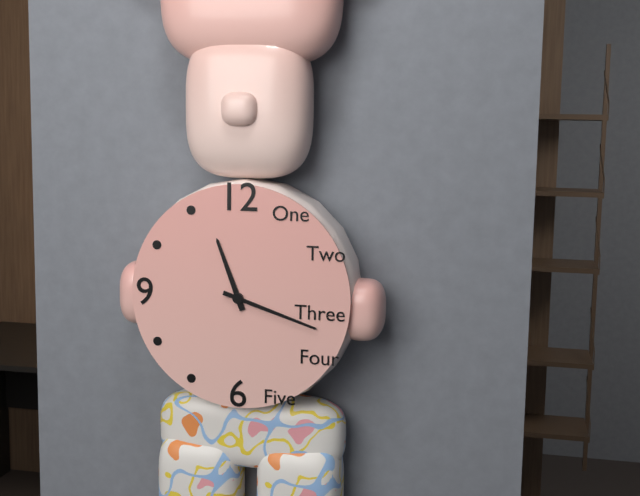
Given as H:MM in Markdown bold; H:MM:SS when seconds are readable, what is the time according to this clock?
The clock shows **11:18**
